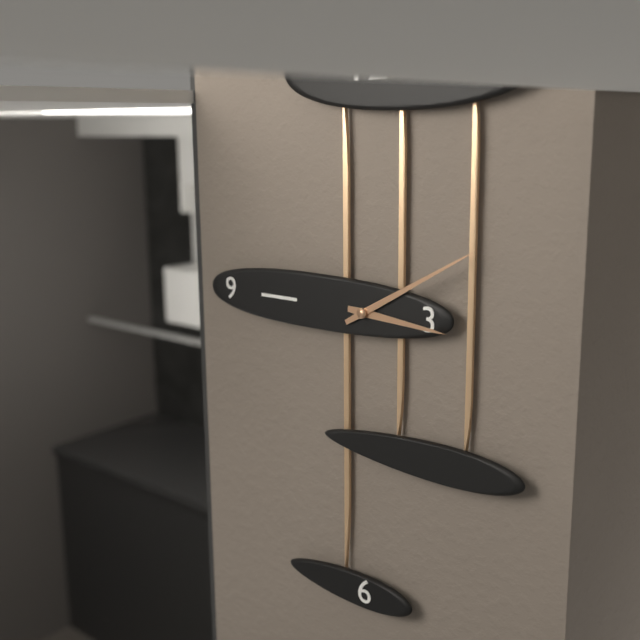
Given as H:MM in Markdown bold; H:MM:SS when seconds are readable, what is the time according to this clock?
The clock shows **3:10**
